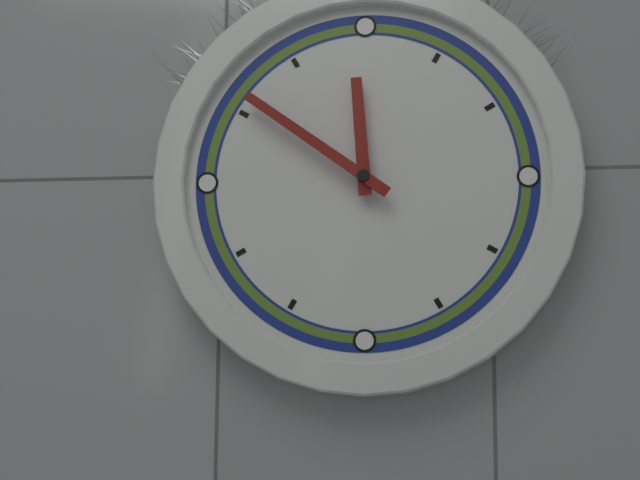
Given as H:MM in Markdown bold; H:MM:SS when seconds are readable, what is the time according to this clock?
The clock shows **11:51**
